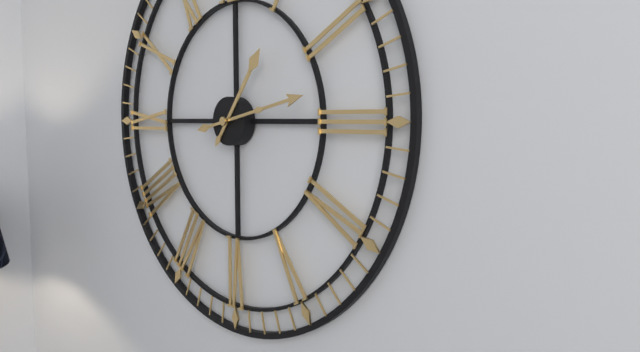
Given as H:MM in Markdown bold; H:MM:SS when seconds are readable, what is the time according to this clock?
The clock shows **1:13**
